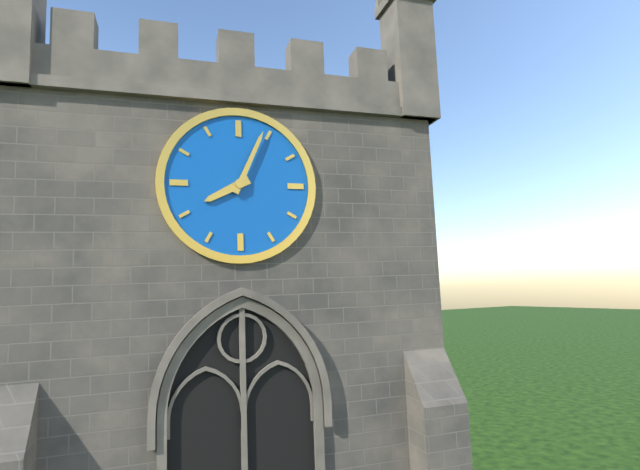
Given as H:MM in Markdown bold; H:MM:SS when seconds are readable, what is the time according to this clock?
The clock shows **8:04**
